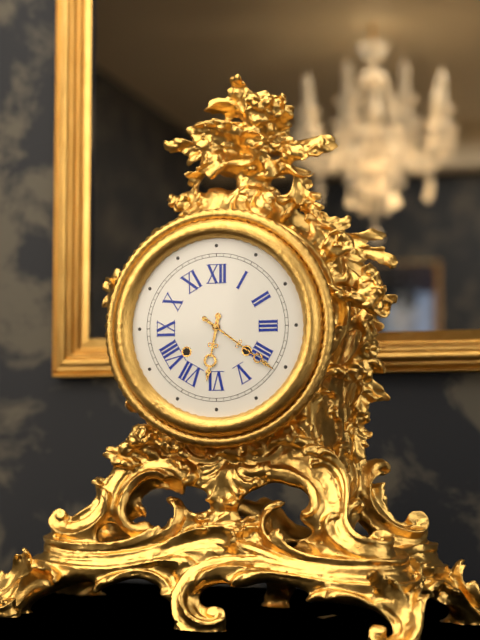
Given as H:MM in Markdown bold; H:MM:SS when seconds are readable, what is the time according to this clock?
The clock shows **6:21**
